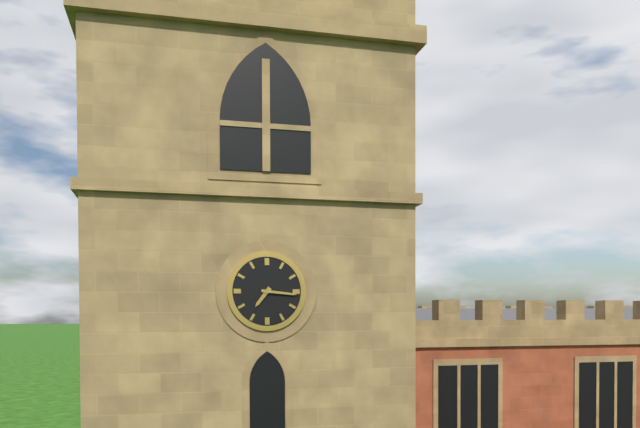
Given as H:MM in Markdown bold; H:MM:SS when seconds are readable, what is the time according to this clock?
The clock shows **7:16**
